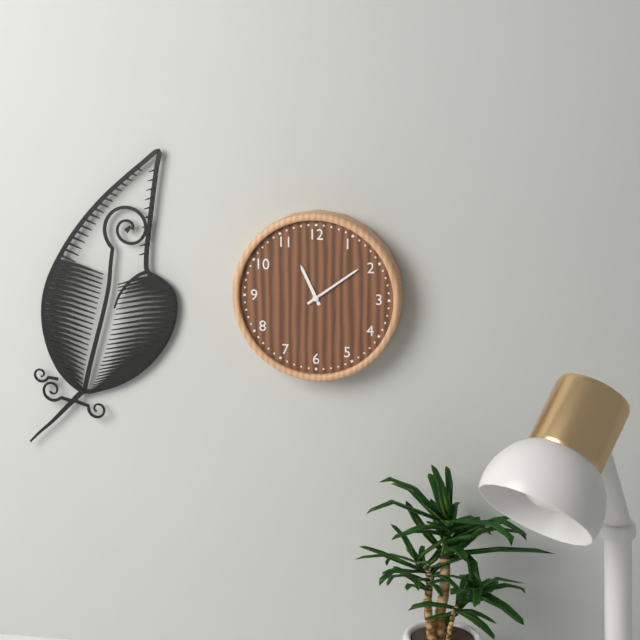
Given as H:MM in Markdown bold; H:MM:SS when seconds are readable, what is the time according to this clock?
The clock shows **11:09**
